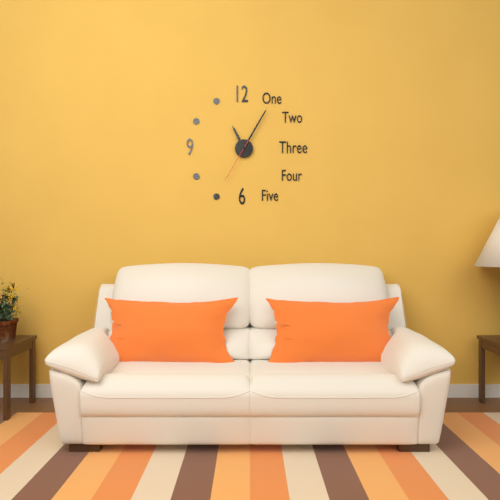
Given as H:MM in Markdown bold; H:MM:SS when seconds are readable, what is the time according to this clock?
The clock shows **11:05**
